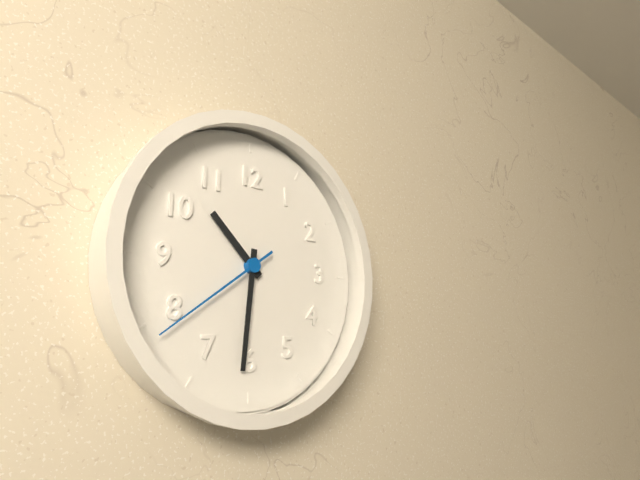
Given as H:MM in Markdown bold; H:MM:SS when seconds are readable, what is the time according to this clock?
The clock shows **10:31:39**
